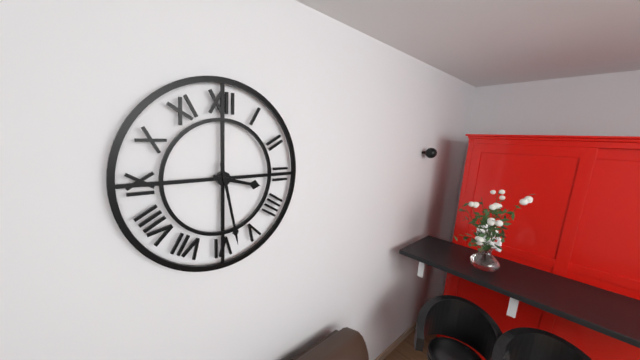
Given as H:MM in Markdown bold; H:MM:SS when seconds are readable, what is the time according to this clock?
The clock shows **3:28**
